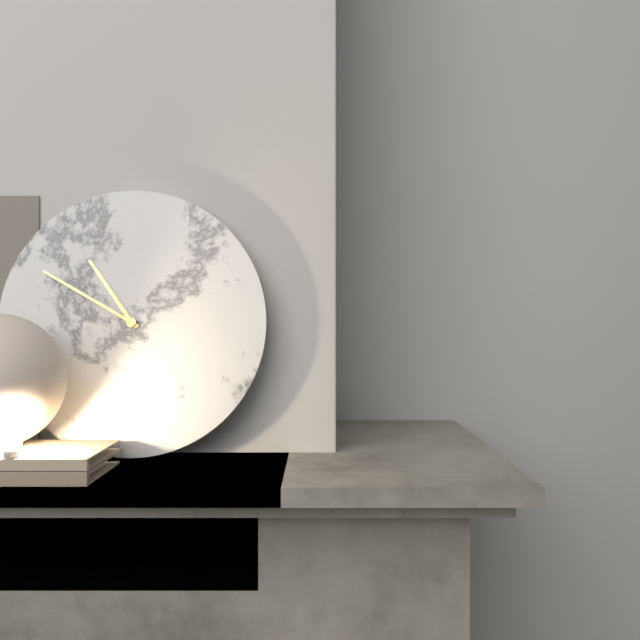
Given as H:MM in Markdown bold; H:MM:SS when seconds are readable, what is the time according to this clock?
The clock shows **10:50**
